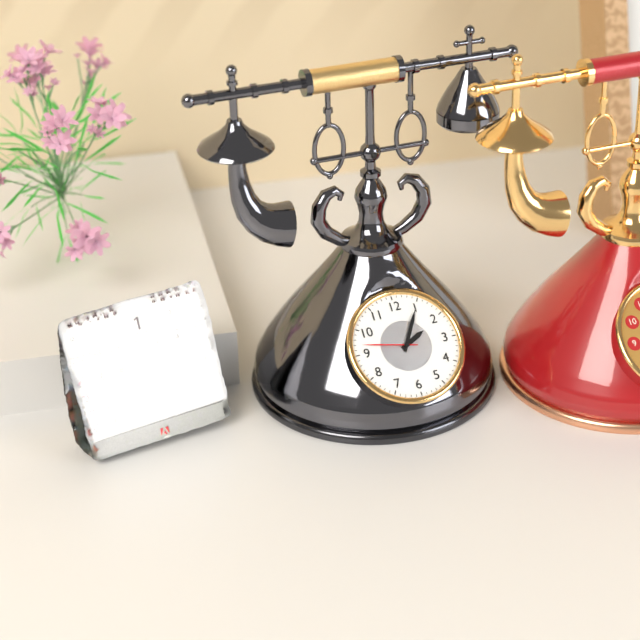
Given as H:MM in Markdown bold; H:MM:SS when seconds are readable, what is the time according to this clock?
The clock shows **2:05:47**
